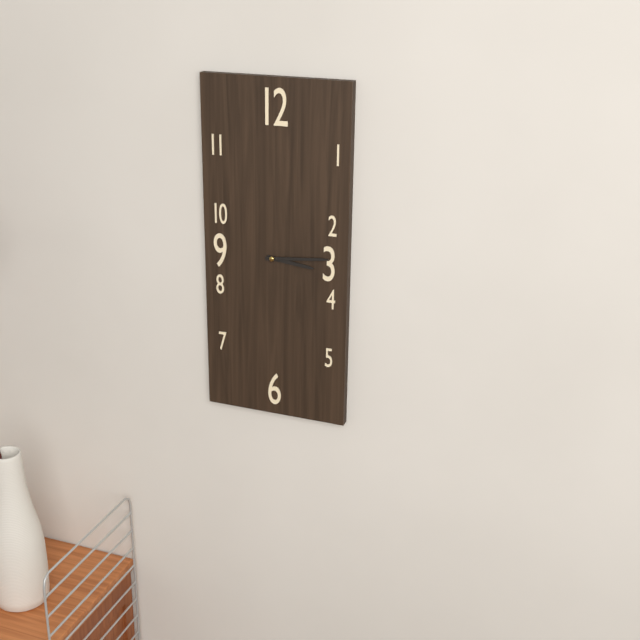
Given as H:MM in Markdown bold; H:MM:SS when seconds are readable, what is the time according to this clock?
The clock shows **3:14**
